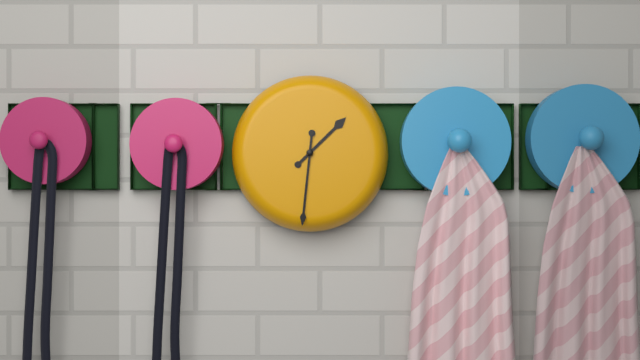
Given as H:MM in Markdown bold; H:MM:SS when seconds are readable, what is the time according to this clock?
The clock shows **1:31**
